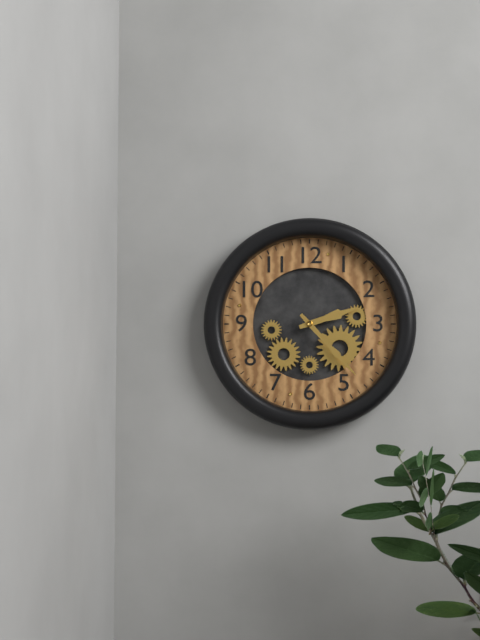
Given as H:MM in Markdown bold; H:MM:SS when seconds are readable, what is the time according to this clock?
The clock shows **2:23**
